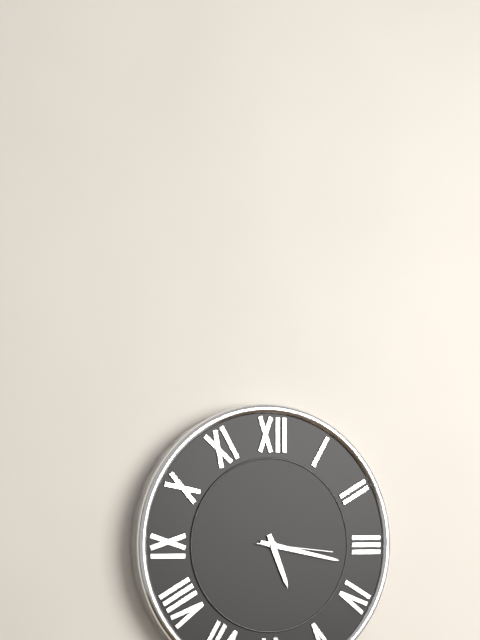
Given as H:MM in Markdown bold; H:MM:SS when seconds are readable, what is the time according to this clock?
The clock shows **5:17:16**
